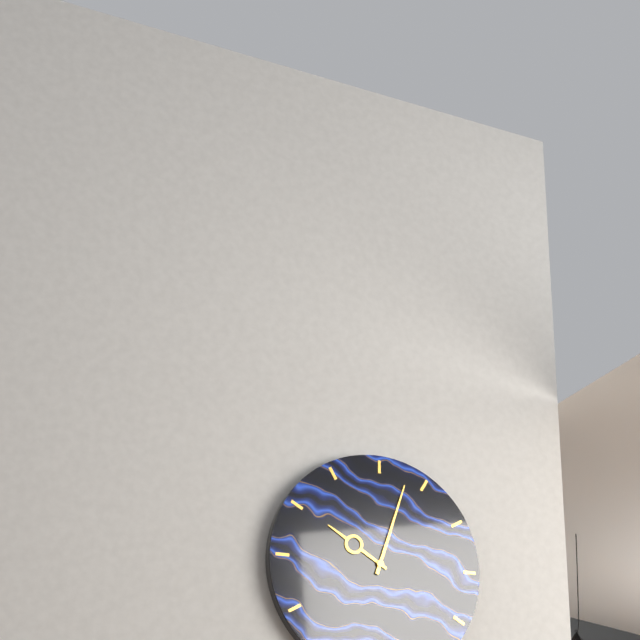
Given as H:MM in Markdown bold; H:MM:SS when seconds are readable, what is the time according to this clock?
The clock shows **10:03**
